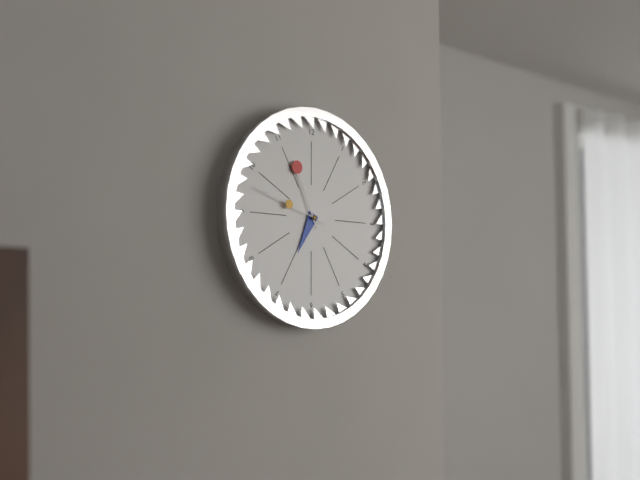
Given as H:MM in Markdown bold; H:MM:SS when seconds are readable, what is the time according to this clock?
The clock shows **6:56:48**
